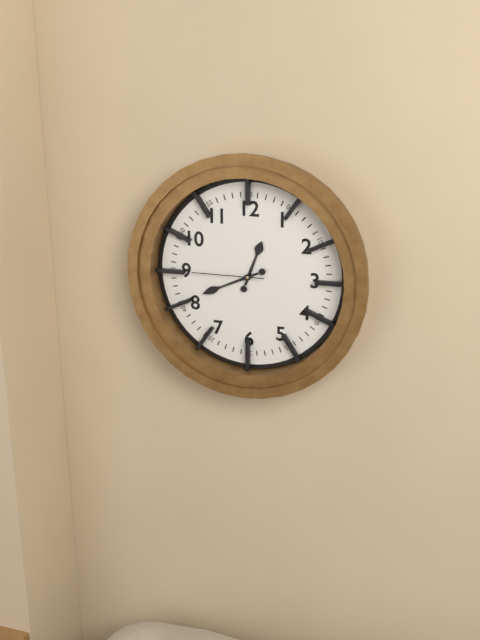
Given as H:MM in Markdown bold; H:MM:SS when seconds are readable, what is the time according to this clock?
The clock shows **12:41:45**
